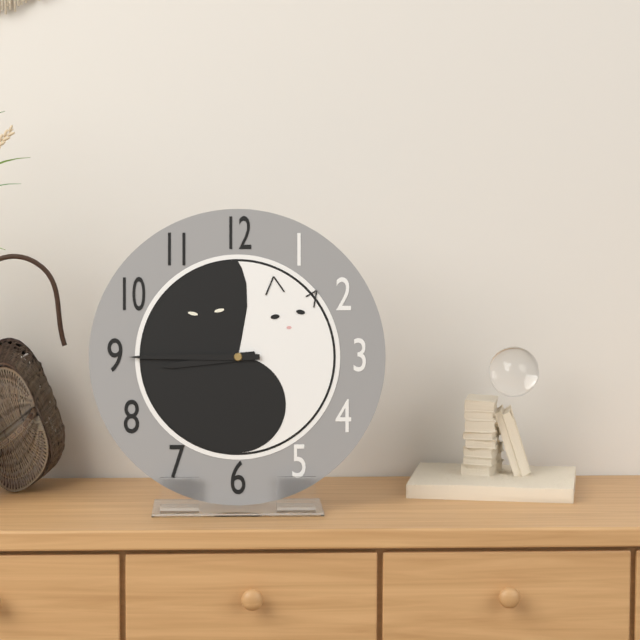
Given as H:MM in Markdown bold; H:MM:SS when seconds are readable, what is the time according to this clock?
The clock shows **8:45**
